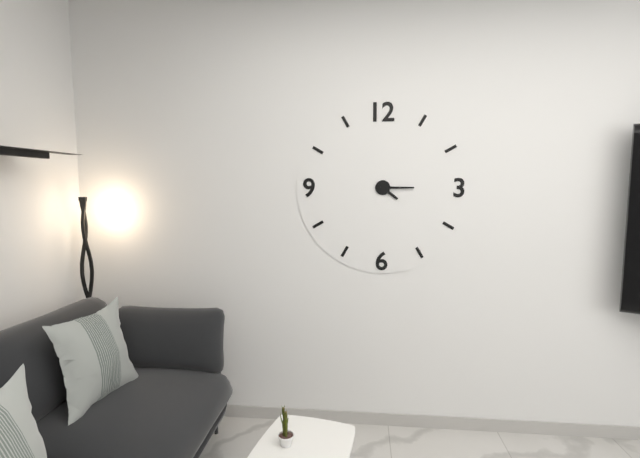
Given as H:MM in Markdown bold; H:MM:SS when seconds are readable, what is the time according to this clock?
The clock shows **4:15**
